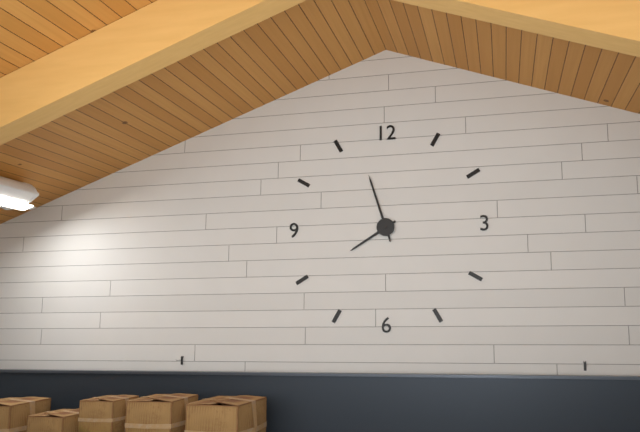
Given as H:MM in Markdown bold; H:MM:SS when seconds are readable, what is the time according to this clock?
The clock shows **7:57**
